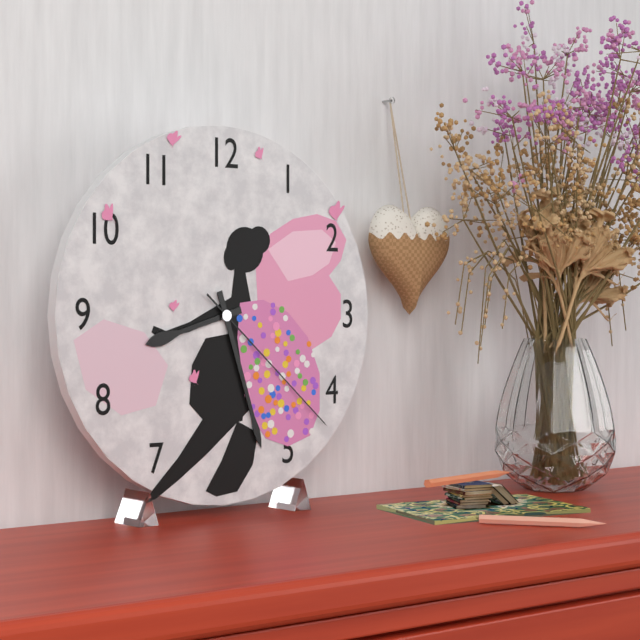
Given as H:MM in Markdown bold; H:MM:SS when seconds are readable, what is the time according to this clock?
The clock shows **8:27:22**
